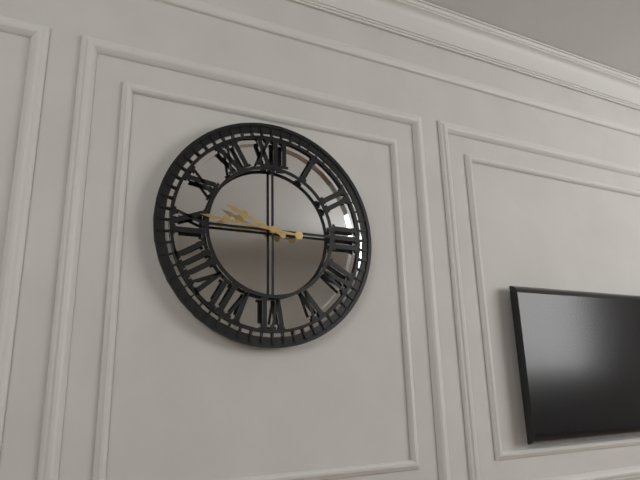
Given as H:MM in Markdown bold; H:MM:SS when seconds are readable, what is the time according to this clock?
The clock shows **9:46**
